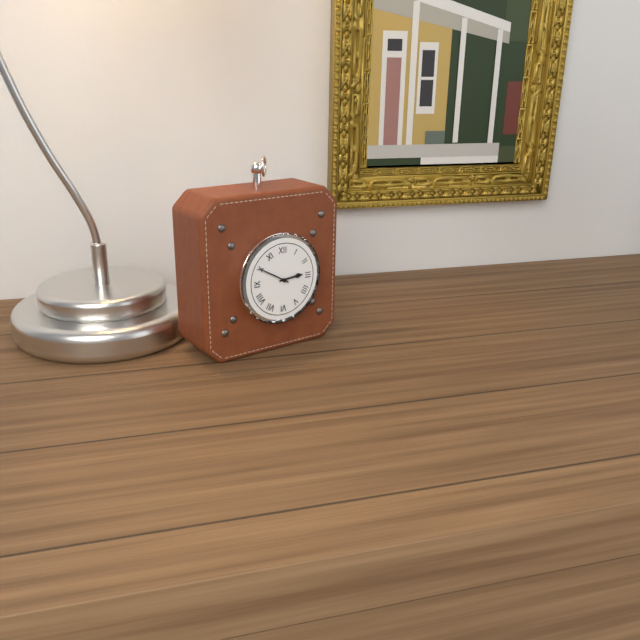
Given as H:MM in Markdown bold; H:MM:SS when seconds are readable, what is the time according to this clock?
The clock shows **2:50**
